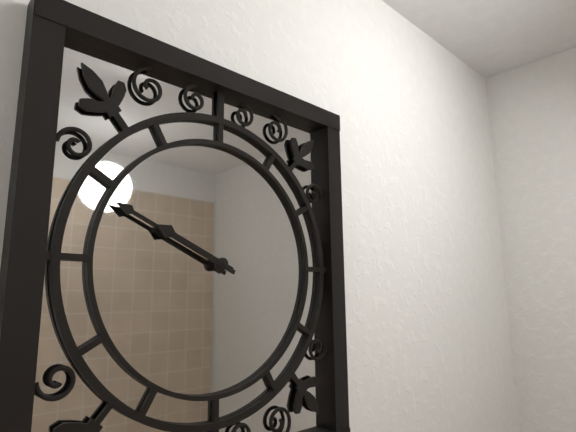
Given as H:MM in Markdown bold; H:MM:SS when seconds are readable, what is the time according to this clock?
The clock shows **9:49**
